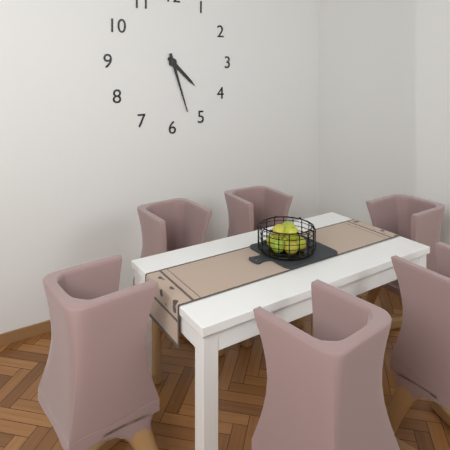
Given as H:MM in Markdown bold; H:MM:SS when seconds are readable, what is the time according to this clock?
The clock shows **4:27**
